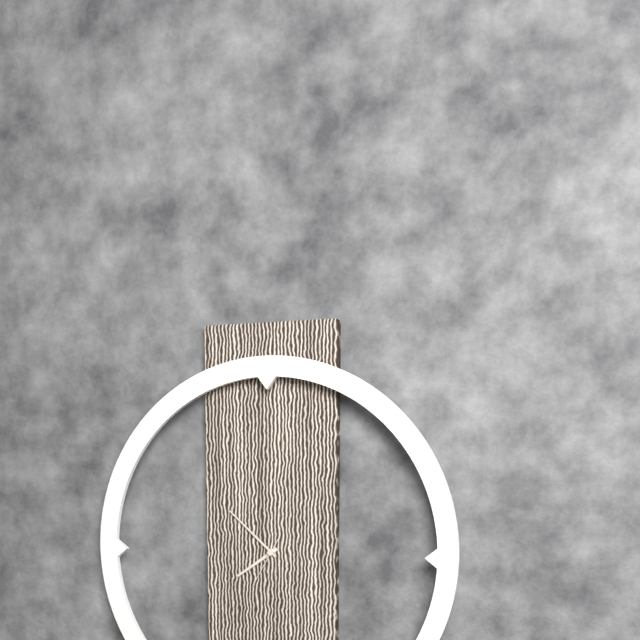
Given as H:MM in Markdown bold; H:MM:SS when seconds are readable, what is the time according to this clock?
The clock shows **7:52**
